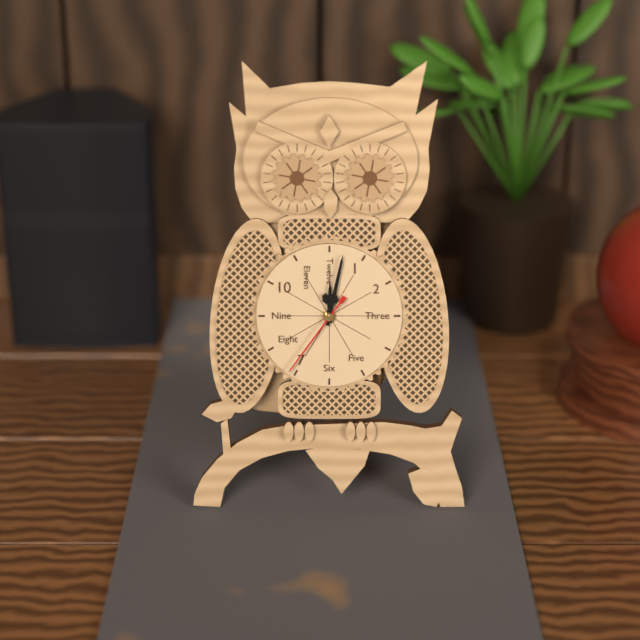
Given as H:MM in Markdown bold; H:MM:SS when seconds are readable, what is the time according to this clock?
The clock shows **12:02:36**
